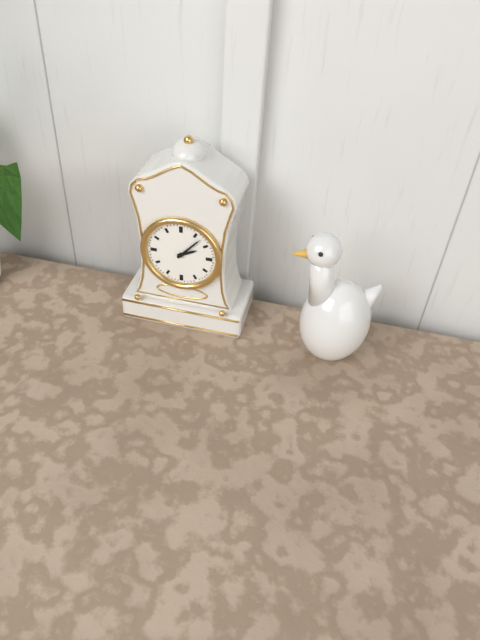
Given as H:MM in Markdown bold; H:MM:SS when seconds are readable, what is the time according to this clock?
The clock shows **2:07**
